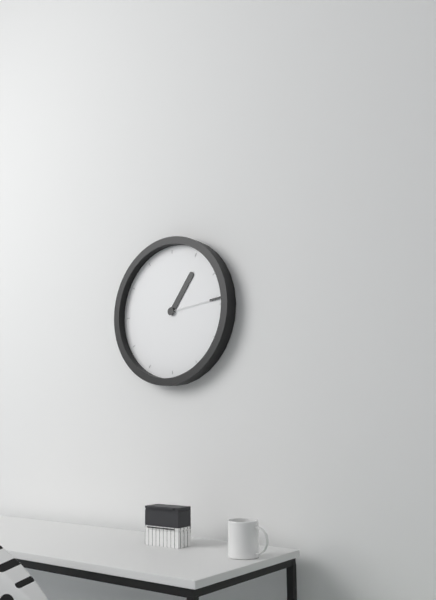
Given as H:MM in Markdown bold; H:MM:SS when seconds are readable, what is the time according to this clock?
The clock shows **1:14**
